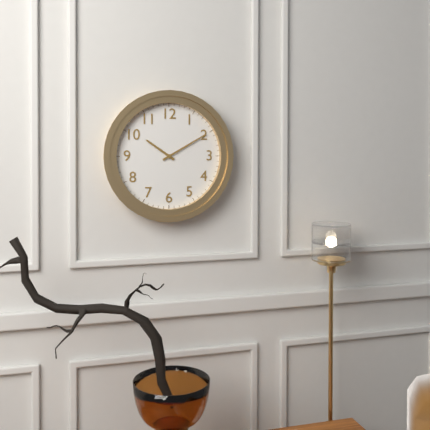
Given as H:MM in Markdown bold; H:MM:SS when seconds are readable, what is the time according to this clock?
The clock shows **10:10**
